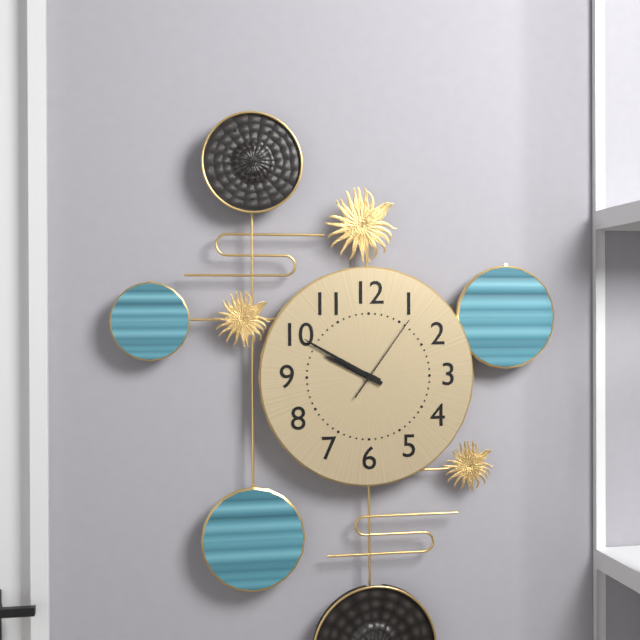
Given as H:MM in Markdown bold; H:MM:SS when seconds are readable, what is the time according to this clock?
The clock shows **9:50:06**
